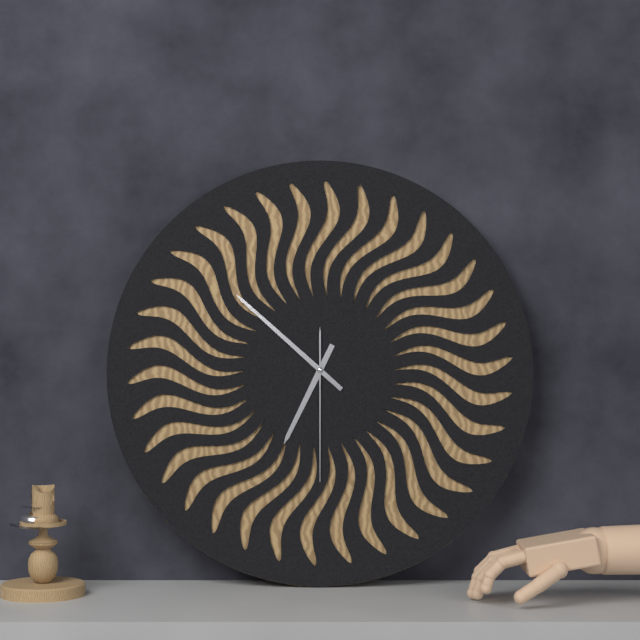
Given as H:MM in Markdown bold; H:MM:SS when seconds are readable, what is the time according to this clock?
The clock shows **6:52:30**
